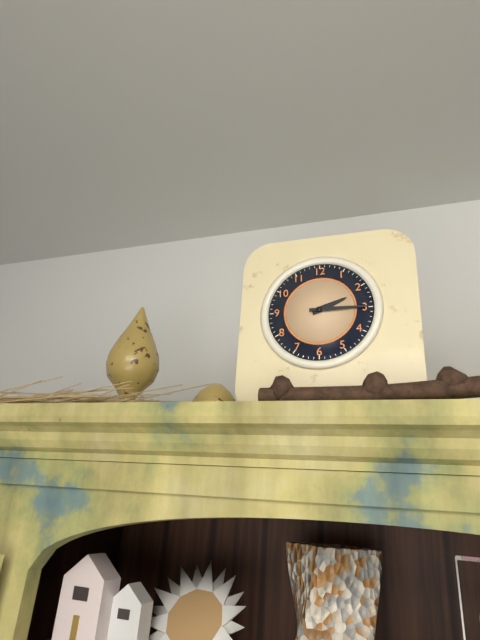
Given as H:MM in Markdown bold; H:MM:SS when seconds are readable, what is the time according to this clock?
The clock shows **2:15**
